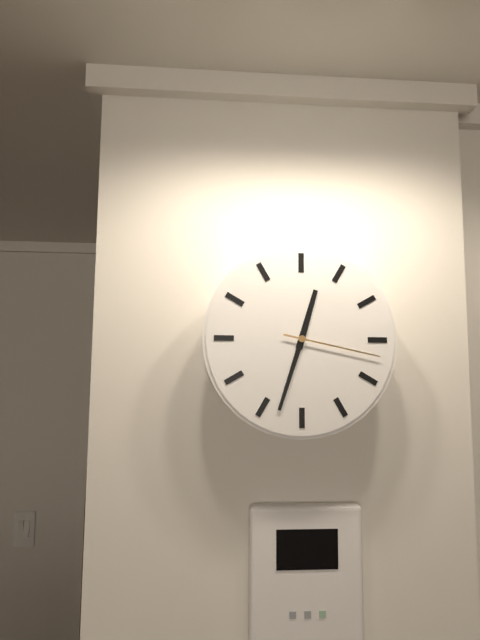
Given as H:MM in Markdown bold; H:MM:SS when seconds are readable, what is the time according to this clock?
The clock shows **12:33:17**
